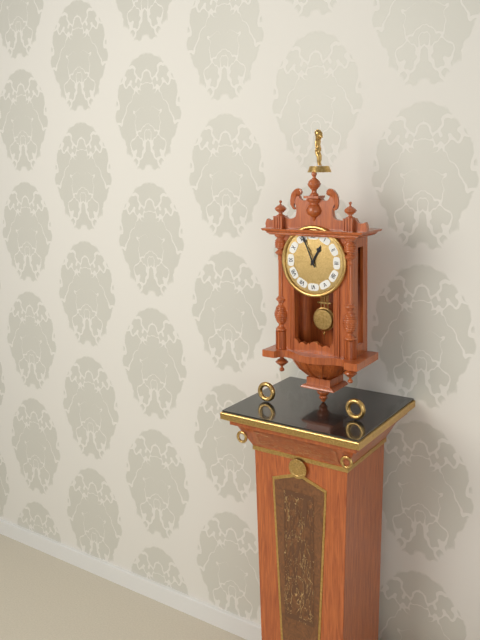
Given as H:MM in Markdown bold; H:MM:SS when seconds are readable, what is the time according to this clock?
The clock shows **12:56**
